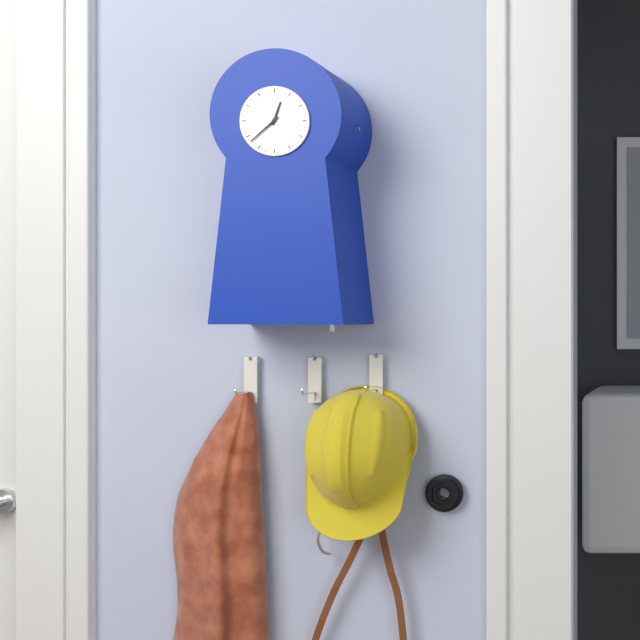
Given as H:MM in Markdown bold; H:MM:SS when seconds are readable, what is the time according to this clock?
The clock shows **12:38**
